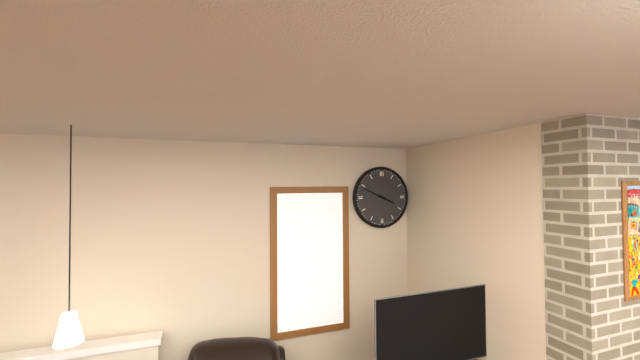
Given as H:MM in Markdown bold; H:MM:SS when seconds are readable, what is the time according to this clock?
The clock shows **3:49**
